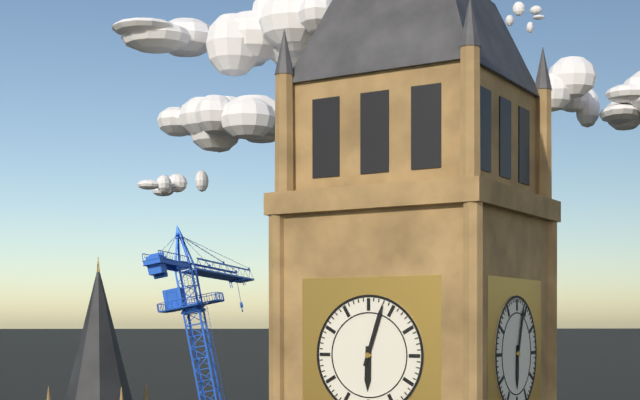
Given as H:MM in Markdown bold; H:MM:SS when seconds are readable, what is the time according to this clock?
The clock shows **6:03**
